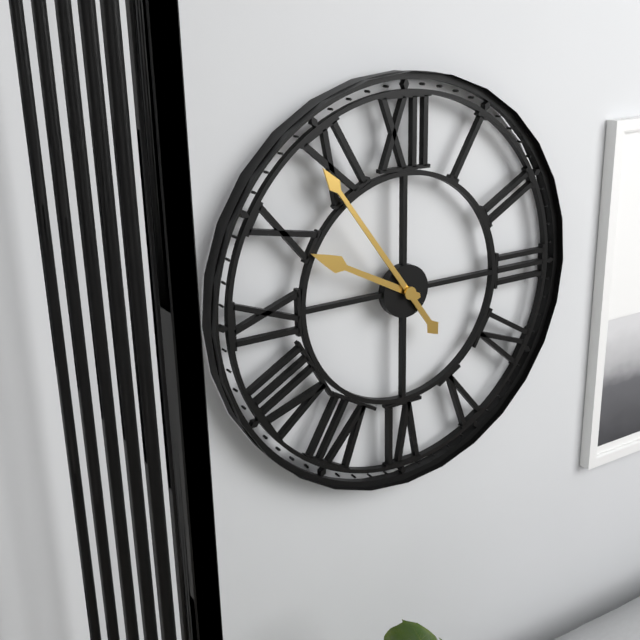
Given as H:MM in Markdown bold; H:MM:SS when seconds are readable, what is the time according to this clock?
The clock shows **9:54**
